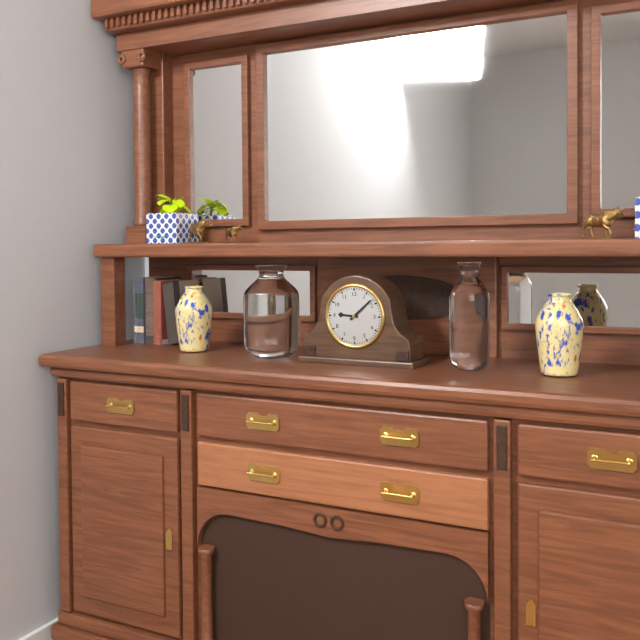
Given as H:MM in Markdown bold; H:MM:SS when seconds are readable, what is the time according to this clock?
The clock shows **9:08**
